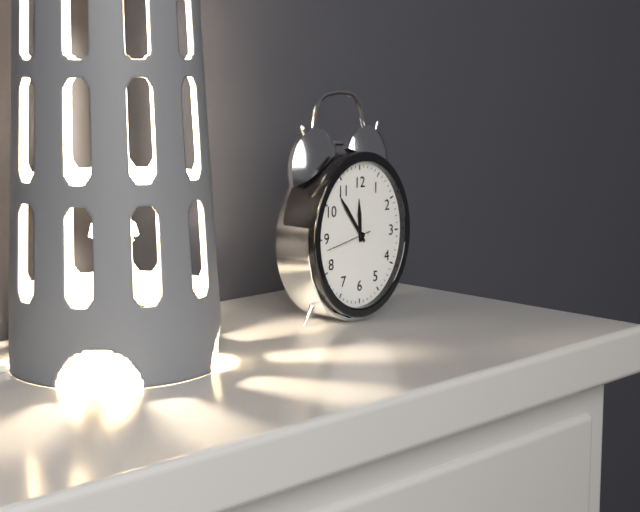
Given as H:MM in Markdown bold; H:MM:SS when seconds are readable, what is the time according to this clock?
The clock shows **11:54**
